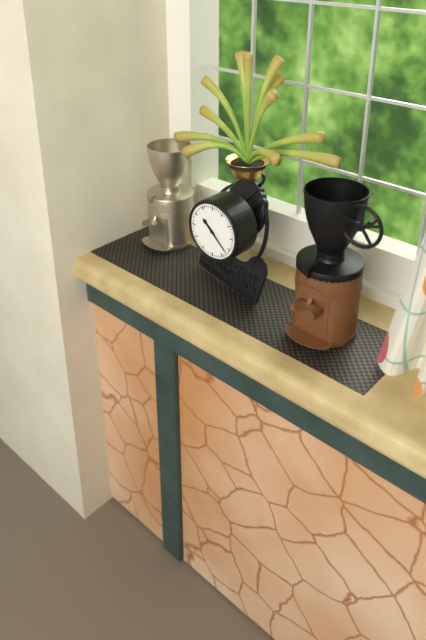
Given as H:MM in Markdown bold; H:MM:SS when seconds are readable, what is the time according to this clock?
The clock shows **10:22**
